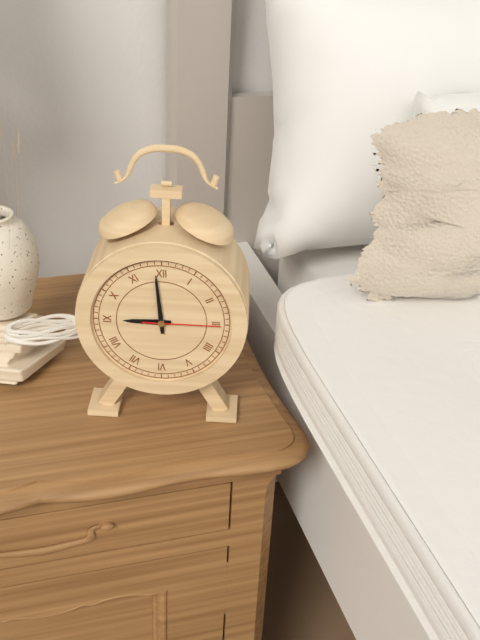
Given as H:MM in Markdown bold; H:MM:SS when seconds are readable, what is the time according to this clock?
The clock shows **8:59:15**
